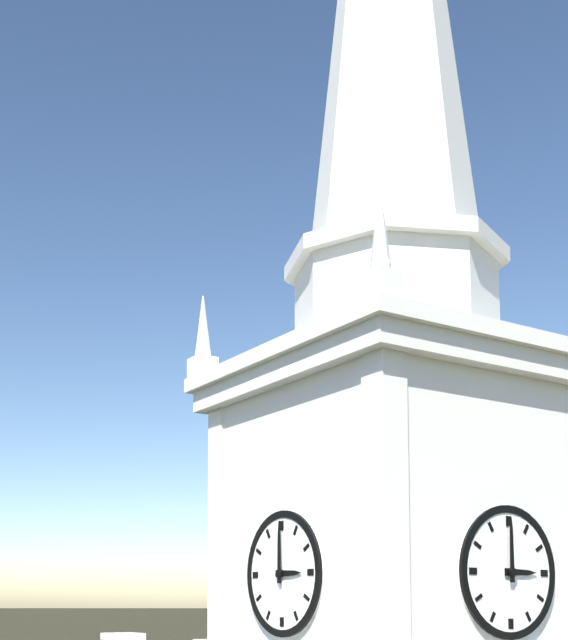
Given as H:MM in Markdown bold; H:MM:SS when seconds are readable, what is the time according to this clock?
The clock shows **3:00**
